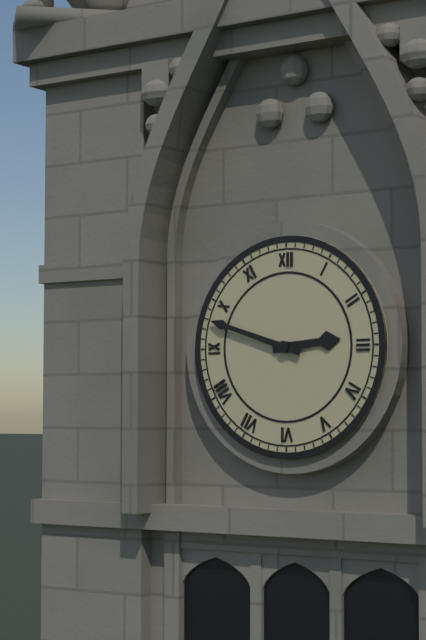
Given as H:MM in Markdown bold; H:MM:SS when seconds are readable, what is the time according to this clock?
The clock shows **2:48**
